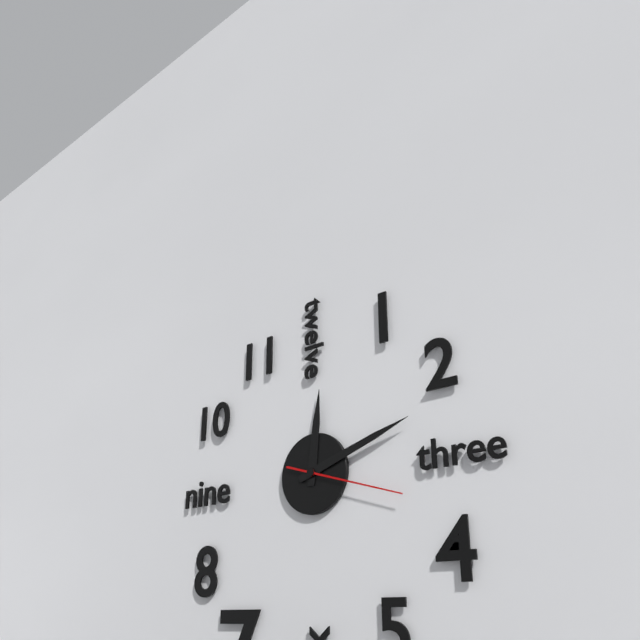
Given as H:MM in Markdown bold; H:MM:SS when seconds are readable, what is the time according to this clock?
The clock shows **12:12:18**
